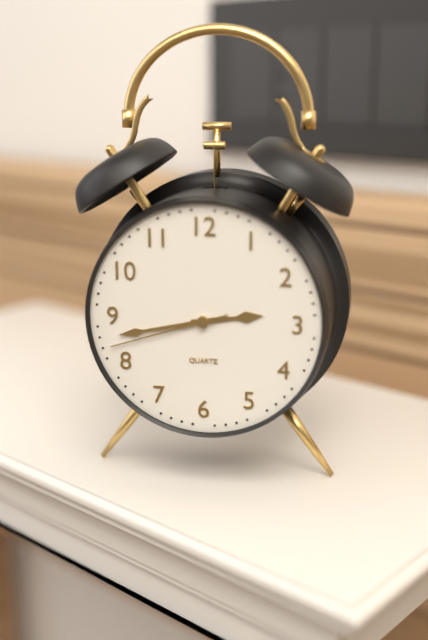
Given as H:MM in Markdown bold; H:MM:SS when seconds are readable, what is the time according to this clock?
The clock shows **2:43:42**
